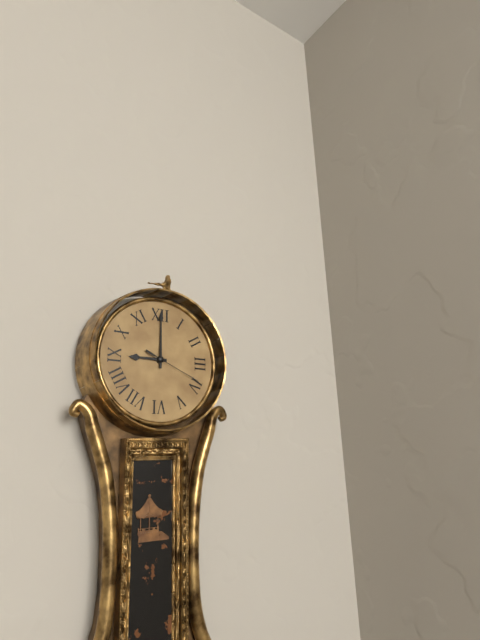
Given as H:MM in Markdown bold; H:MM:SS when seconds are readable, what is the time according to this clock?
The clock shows **9:00:19**
